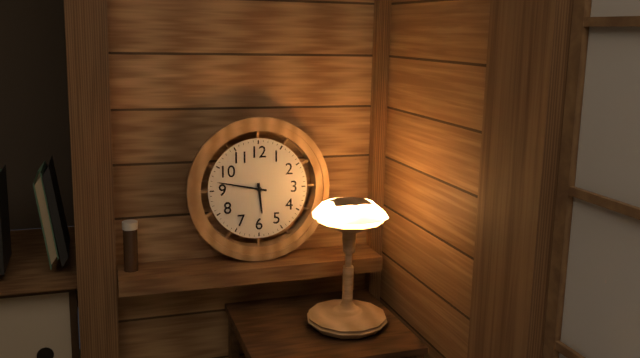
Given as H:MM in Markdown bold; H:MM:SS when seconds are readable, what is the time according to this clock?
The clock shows **5:47**
